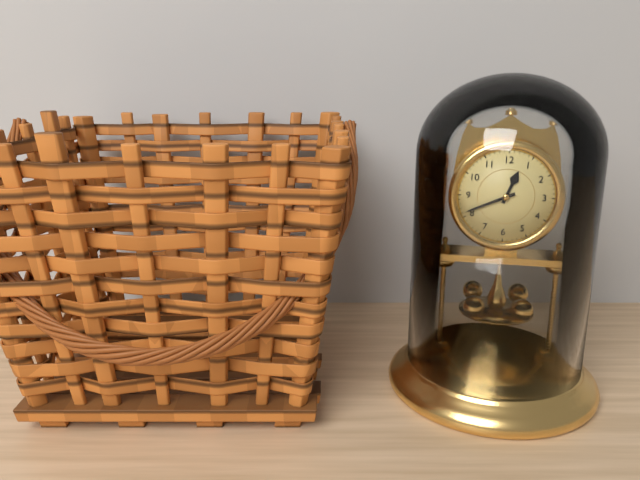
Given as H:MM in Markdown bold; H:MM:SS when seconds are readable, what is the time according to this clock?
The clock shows **12:41**
